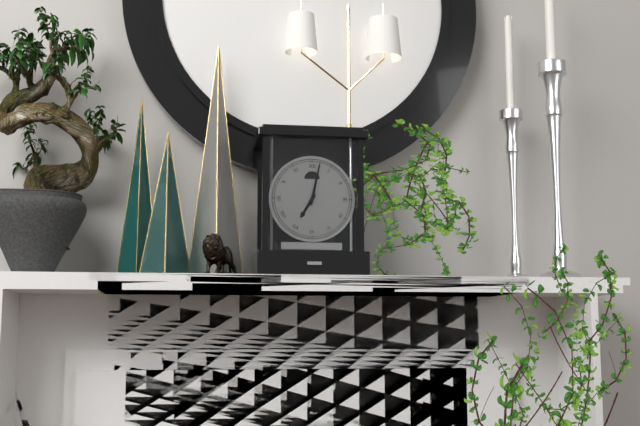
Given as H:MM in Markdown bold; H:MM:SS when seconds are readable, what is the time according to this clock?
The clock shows **7:02**
